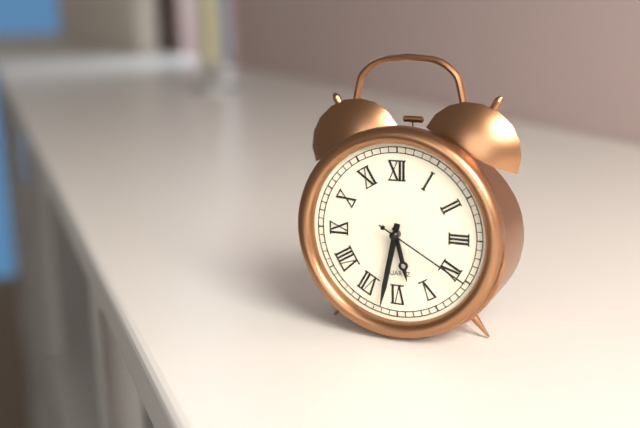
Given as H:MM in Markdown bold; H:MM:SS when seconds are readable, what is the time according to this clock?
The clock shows **5:32:20**
